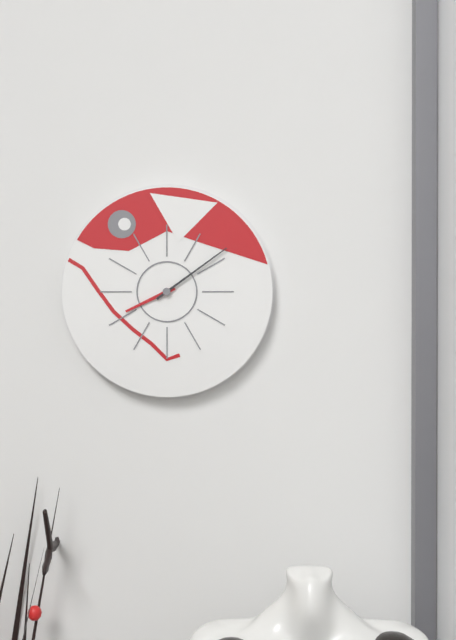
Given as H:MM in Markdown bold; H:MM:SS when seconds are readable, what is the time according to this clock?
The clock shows **8:09**
